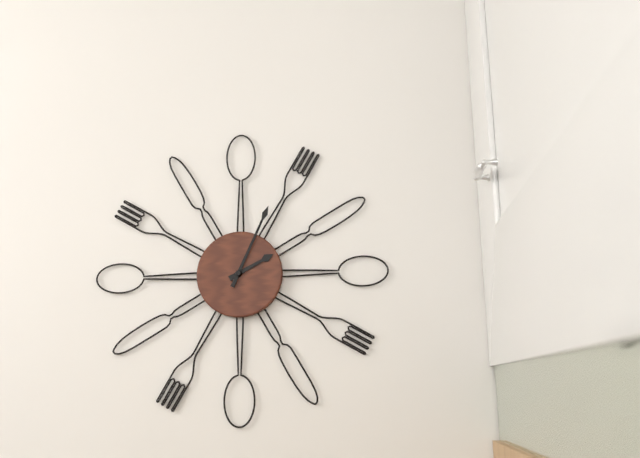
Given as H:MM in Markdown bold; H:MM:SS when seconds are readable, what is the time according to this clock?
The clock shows **2:04**
